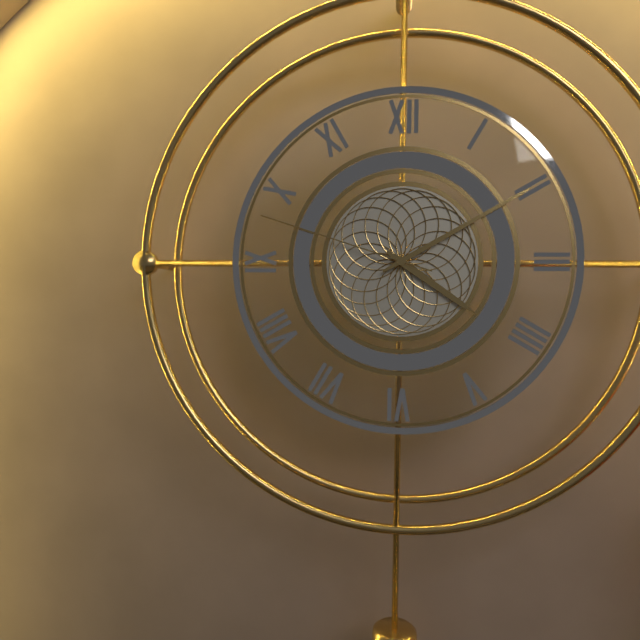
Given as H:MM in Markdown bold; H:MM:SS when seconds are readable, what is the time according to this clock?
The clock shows **4:10:48**
